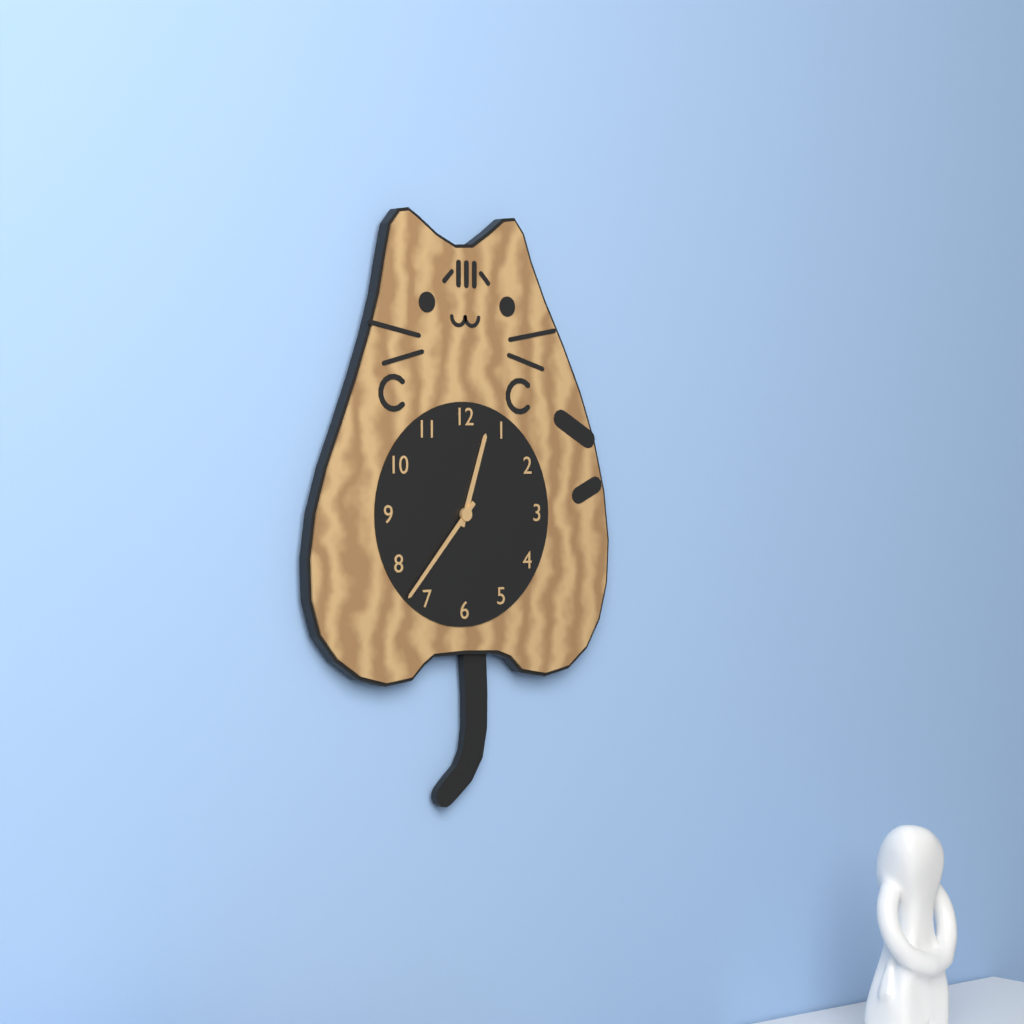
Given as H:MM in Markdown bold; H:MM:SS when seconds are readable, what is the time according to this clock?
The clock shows **12:37**
